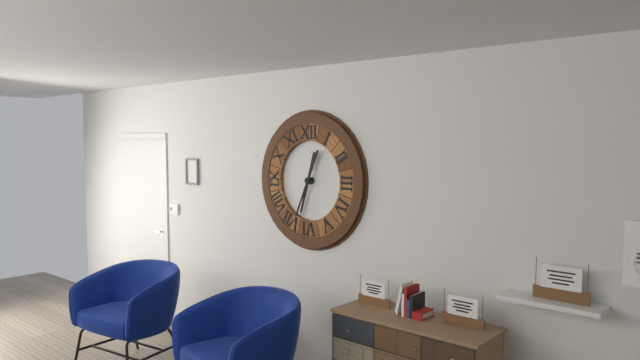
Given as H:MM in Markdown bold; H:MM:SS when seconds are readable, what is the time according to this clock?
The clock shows **6:34**
